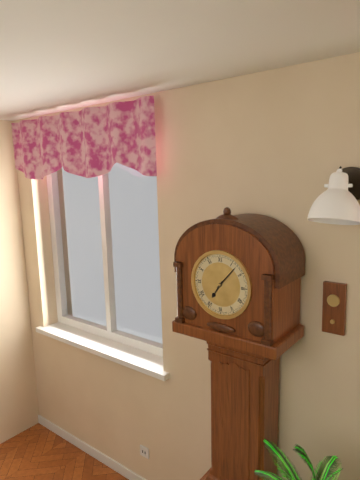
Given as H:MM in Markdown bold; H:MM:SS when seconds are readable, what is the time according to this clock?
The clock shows **7:07**
